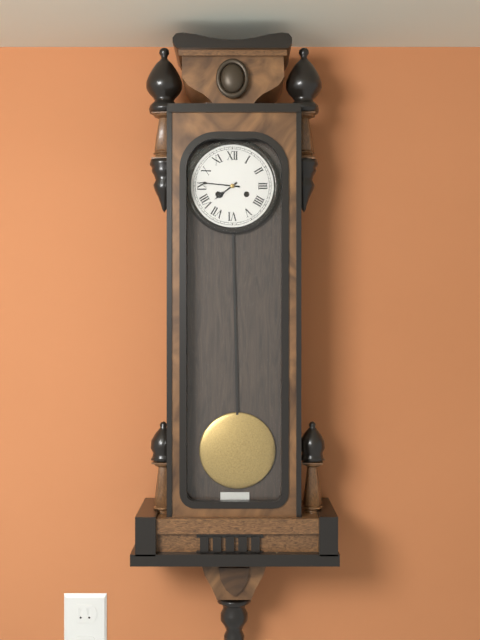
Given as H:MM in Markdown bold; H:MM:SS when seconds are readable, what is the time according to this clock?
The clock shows **7:46**
